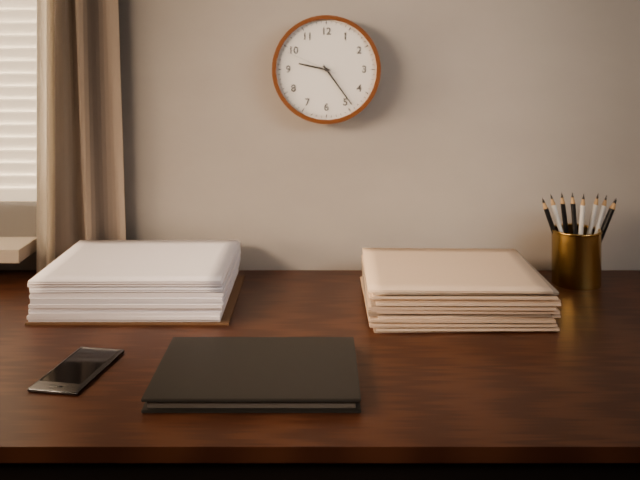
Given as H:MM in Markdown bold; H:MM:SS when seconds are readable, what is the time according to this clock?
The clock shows **9:24:49**
